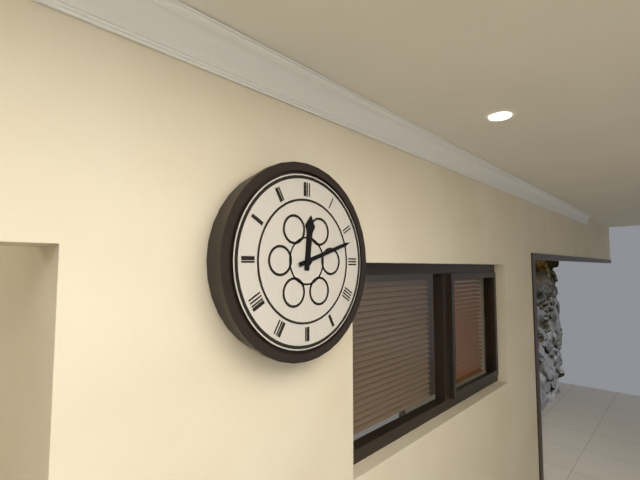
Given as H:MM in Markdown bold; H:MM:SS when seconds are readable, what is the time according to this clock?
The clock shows **12:12**
